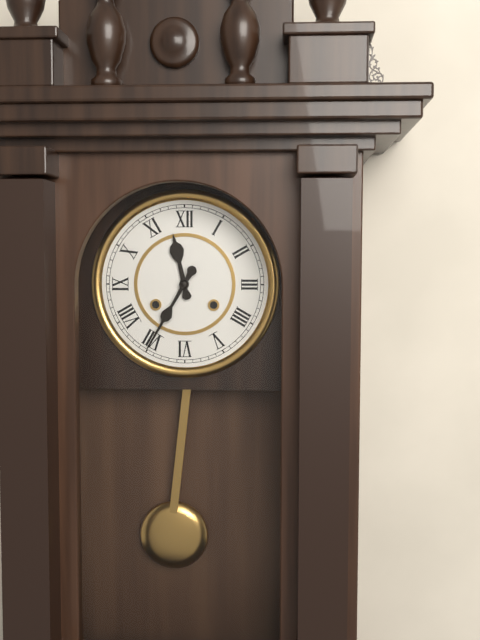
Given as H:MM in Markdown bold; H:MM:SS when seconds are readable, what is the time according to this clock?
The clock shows **11:35**
